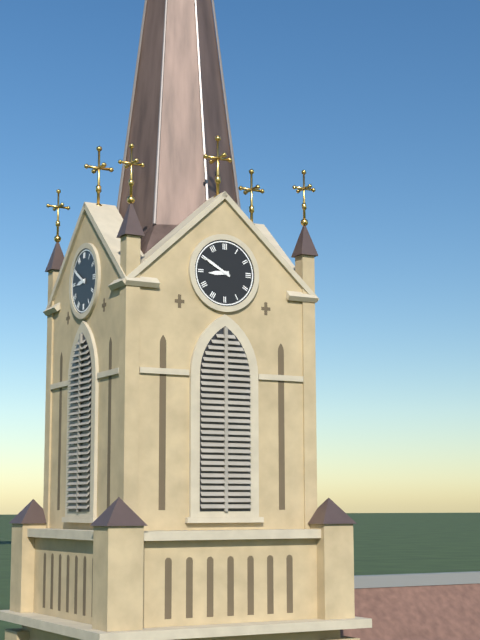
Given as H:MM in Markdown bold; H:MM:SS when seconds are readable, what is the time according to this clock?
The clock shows **8:50**
